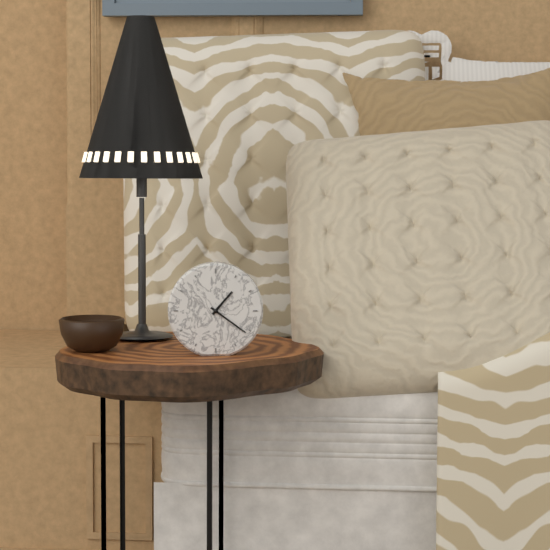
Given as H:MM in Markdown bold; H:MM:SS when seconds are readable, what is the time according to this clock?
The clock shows **1:21**
